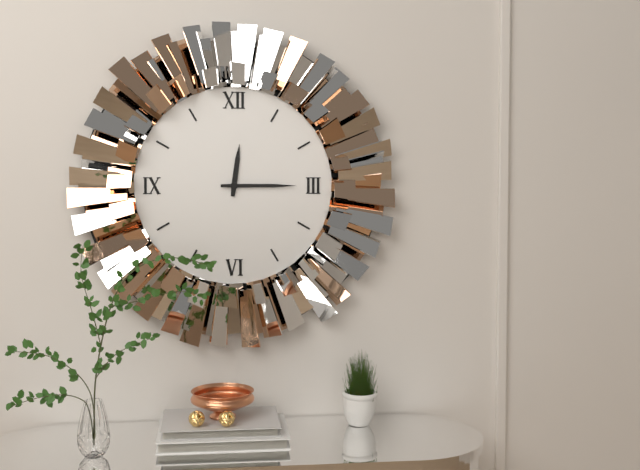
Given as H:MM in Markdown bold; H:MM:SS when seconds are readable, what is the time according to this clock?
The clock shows **12:15**
